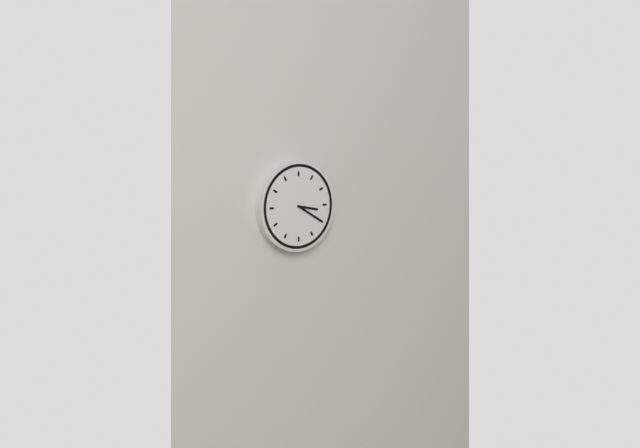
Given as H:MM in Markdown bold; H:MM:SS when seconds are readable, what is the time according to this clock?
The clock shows **3:20**
